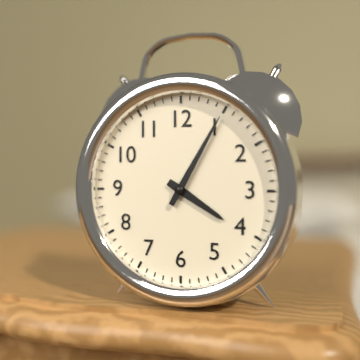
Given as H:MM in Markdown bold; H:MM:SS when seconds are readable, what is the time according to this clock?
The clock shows **4:05**
